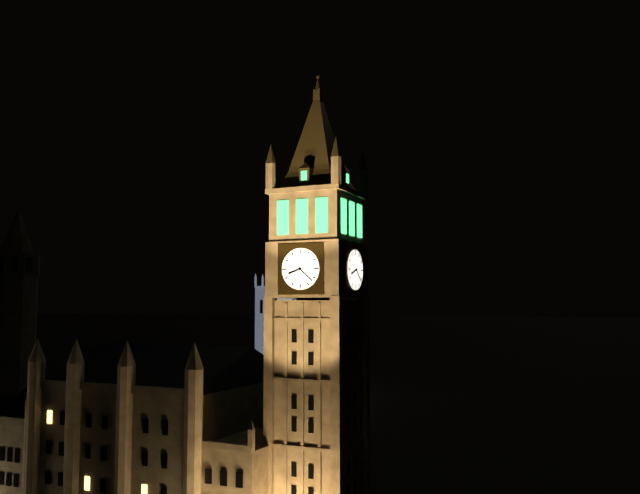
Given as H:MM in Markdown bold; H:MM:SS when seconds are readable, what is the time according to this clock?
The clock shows **8:22**
